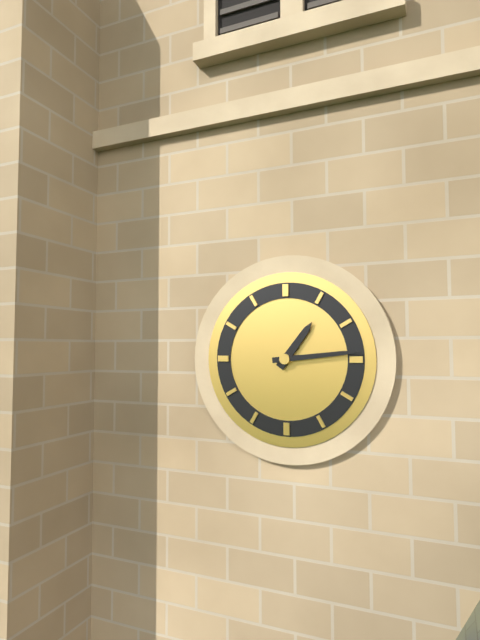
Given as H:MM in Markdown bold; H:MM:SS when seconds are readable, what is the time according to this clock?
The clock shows **1:14**
